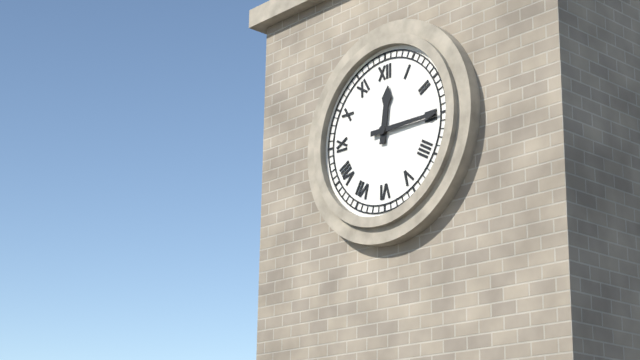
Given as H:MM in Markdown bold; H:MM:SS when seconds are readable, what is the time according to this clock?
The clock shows **12:15**
